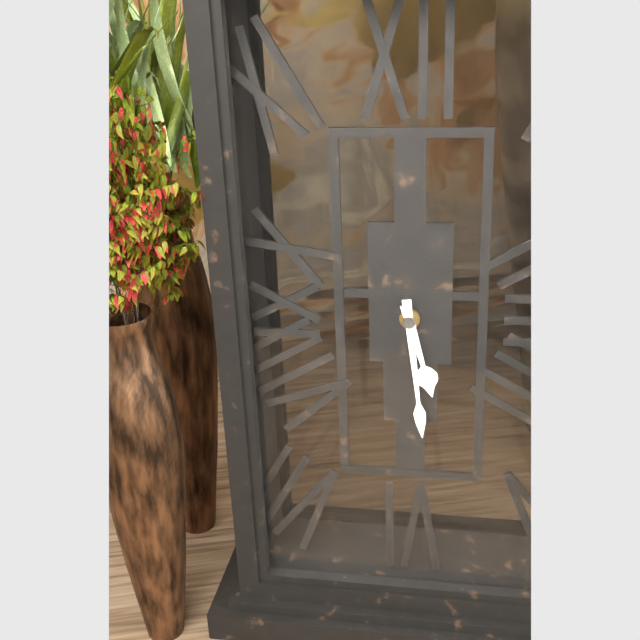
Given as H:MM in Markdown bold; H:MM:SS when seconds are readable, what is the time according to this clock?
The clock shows **5:29**
